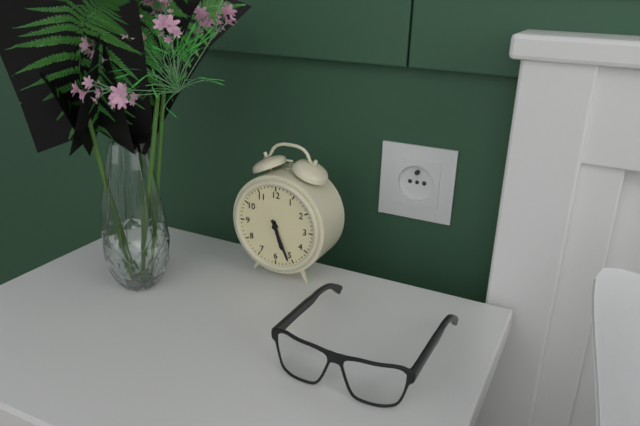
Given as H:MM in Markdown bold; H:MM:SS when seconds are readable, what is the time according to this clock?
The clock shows **5:26**
